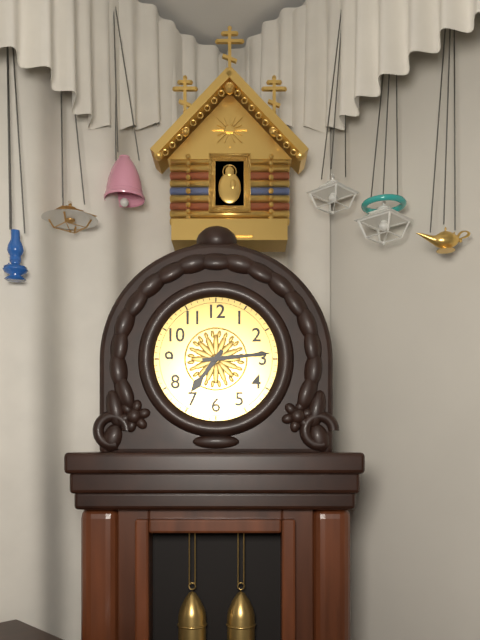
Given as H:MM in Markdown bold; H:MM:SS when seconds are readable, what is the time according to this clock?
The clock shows **7:14**
